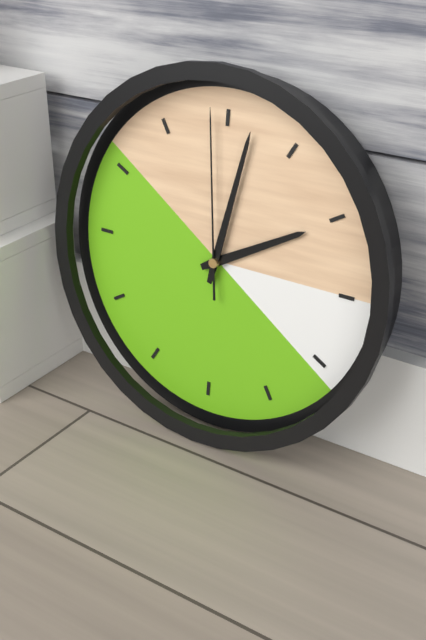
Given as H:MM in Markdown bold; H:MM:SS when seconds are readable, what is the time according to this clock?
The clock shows **2:02:59**
